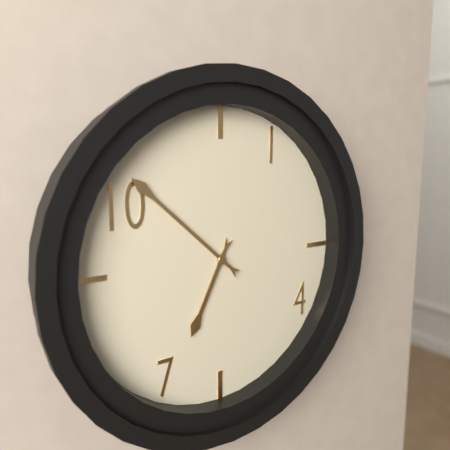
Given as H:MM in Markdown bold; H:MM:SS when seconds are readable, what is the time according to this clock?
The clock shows **6:52**
